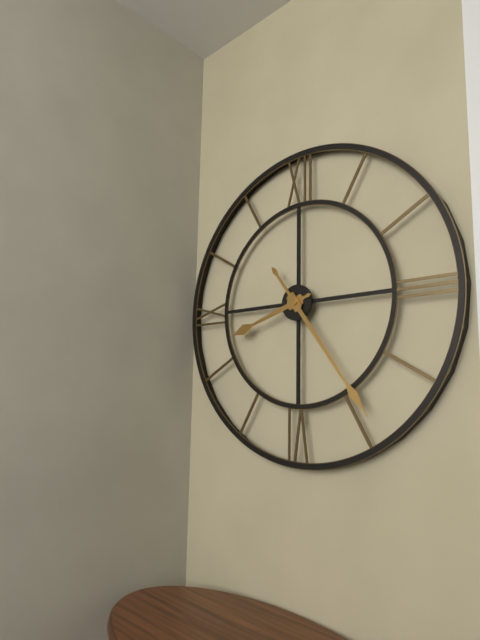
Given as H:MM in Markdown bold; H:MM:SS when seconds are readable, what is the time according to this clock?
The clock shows **8:24**
